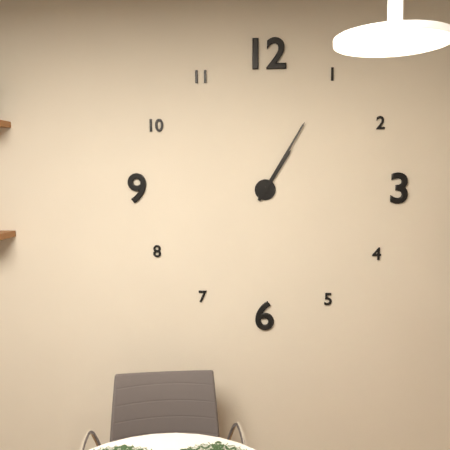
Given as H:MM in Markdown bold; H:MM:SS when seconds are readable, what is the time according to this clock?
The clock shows **1:05**
